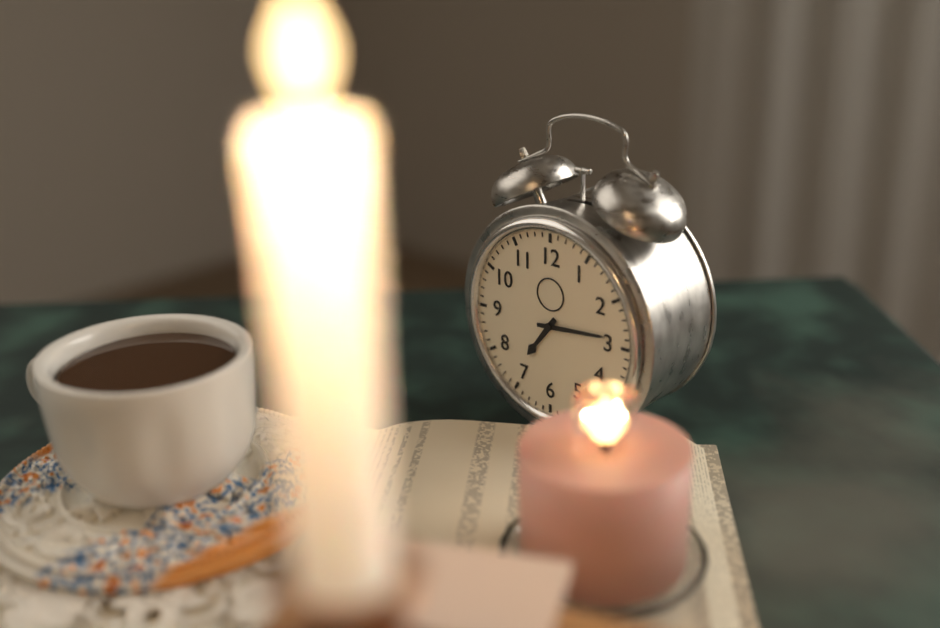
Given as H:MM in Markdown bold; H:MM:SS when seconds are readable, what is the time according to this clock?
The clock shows **7:14**
